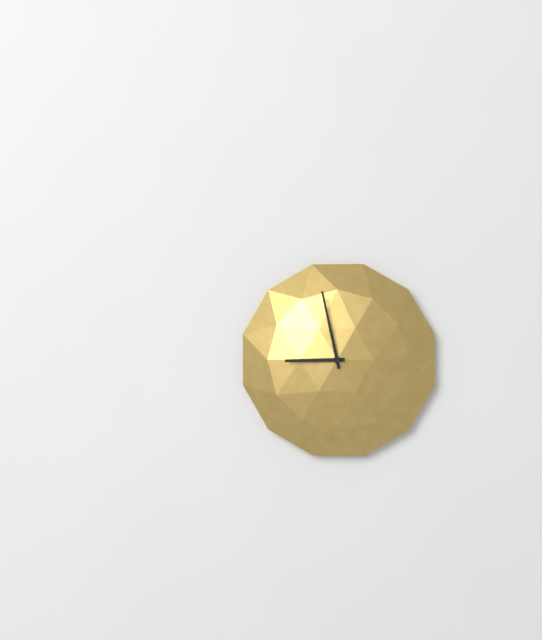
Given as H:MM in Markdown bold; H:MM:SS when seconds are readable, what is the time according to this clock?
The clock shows **8:58**
